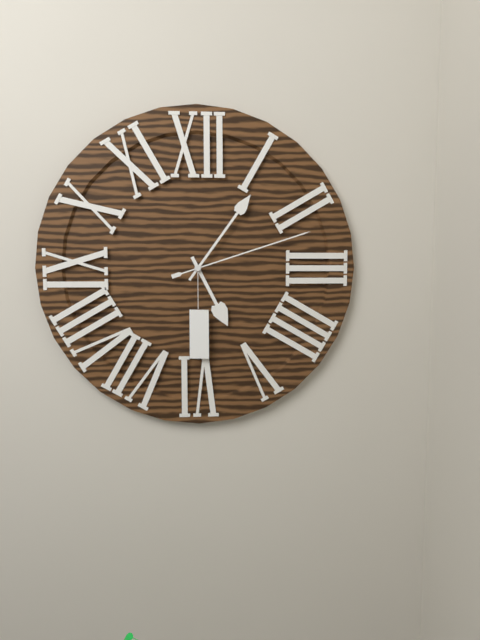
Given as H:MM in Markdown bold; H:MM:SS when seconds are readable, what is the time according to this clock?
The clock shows **5:06:12**
